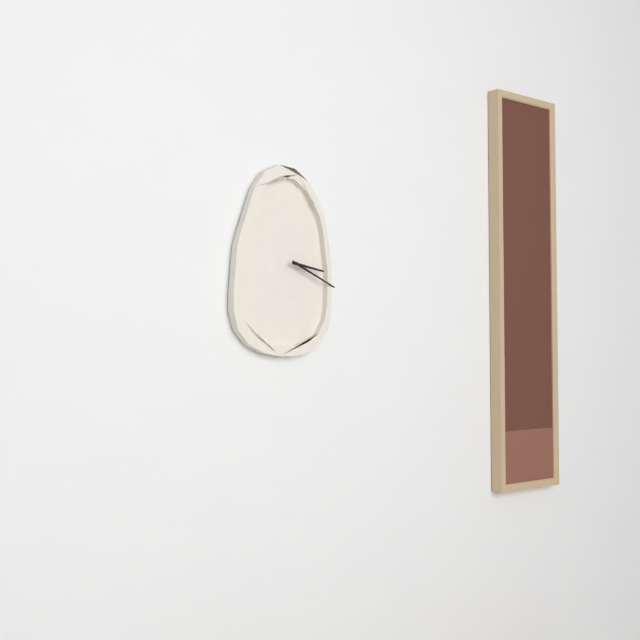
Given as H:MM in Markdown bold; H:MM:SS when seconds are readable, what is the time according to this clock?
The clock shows **3:19**
